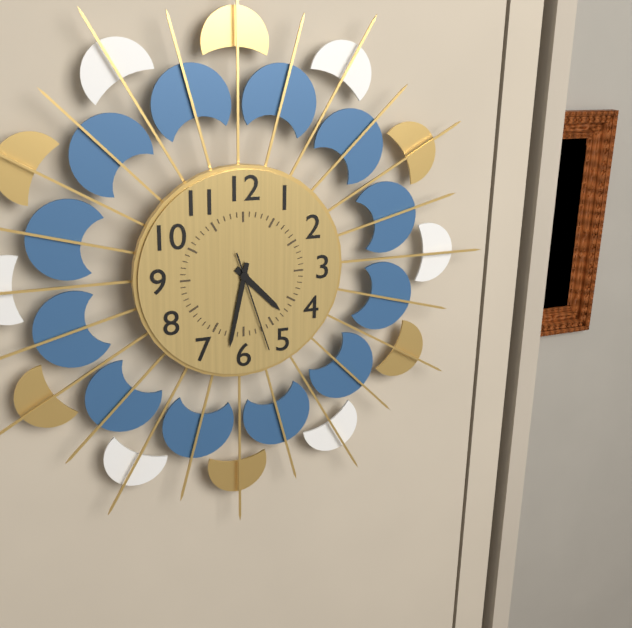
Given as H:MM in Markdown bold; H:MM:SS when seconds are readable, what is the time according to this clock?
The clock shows **4:32:27**
